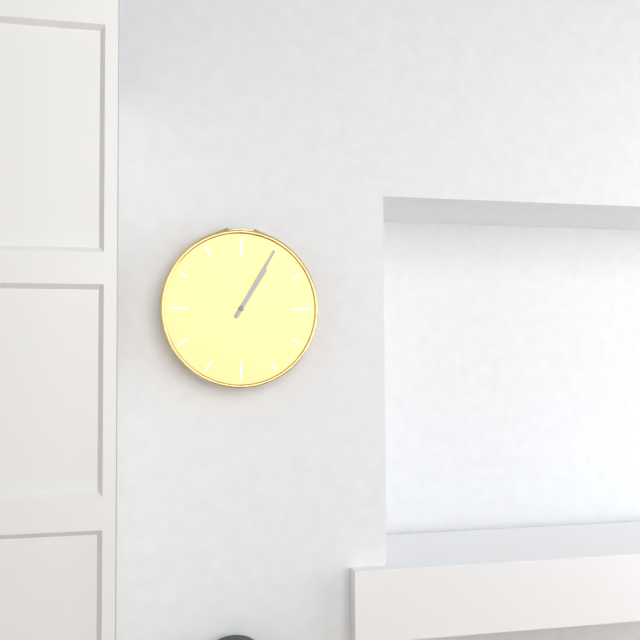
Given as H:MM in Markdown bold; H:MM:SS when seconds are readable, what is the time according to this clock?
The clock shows **1:05**
